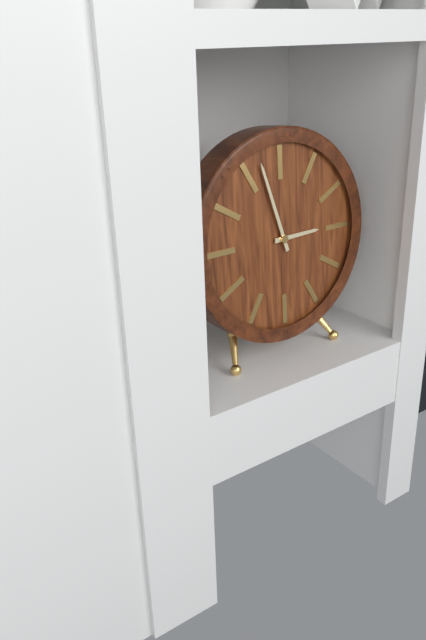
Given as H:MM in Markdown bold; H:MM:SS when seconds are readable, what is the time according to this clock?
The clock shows **2:57**
